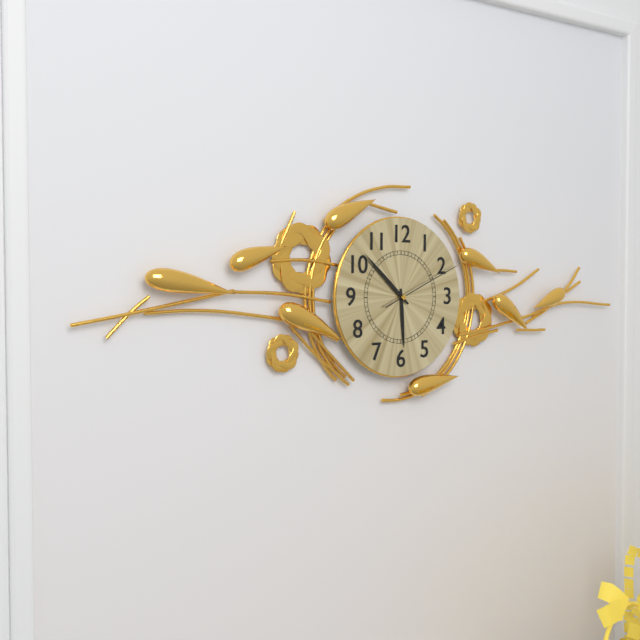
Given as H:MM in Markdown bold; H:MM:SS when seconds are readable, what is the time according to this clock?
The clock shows **5:52:11**
